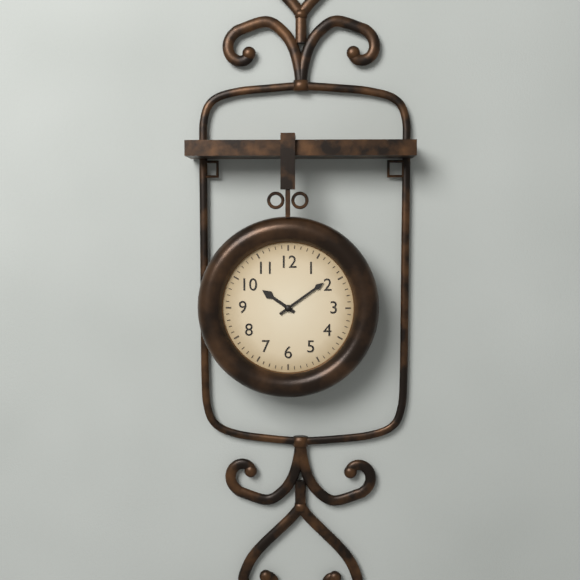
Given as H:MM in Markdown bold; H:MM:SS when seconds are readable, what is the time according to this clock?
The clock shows **10:09**
